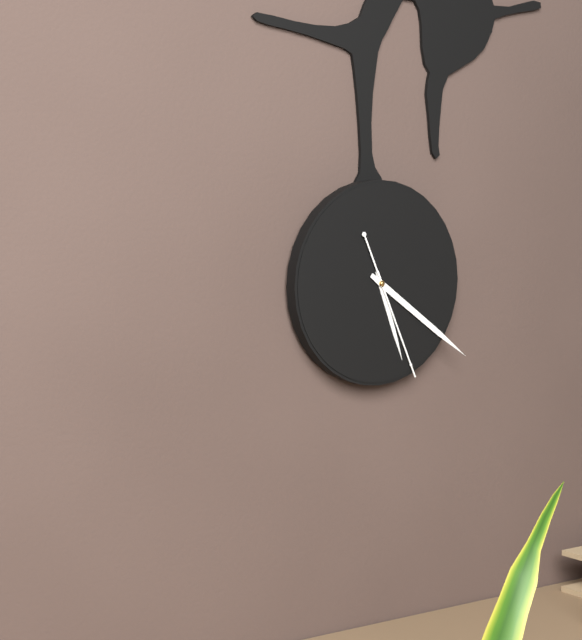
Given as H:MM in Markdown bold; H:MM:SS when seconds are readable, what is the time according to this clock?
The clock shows **5:21:26**
